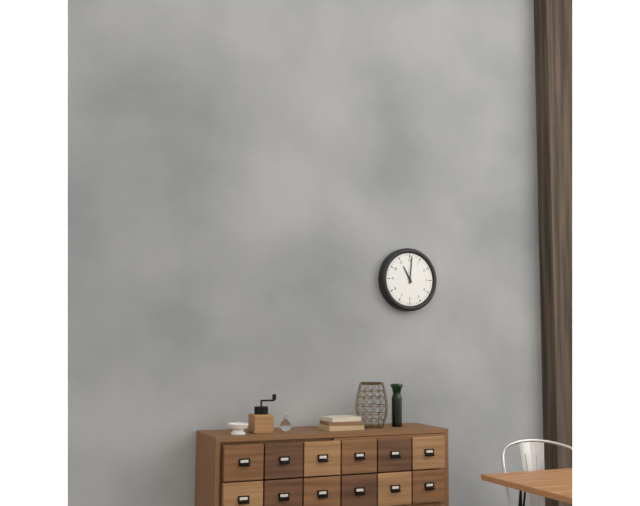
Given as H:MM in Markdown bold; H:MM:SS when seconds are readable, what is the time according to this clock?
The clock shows **11:01**
